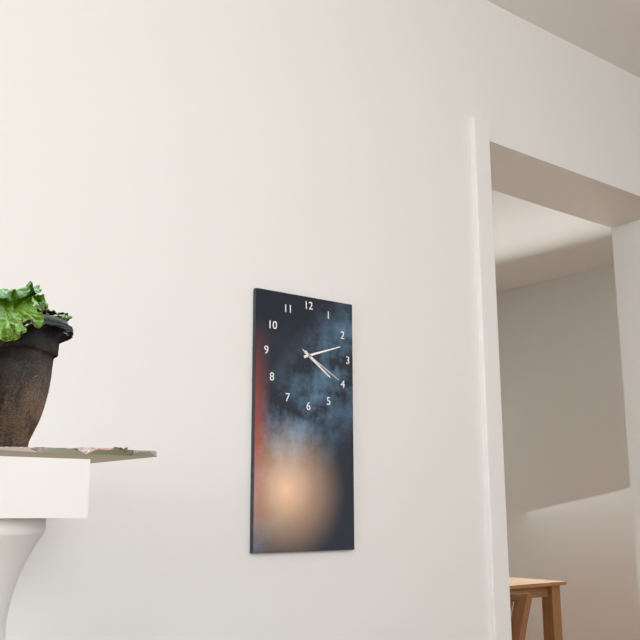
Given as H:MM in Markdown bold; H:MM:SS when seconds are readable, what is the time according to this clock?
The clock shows **4:12**
